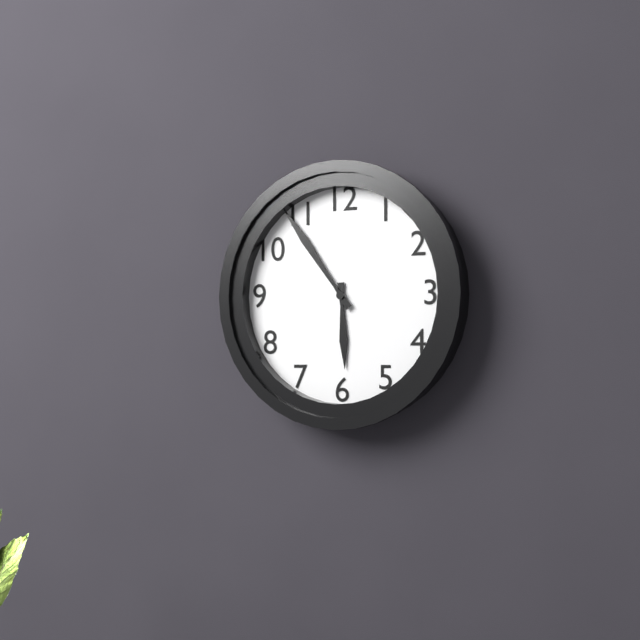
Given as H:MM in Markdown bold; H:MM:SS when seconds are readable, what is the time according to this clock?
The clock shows **5:54**
